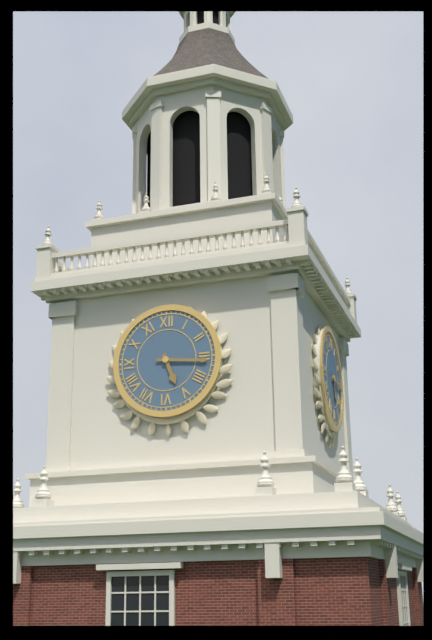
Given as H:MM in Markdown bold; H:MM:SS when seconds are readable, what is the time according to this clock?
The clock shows **5:16**
